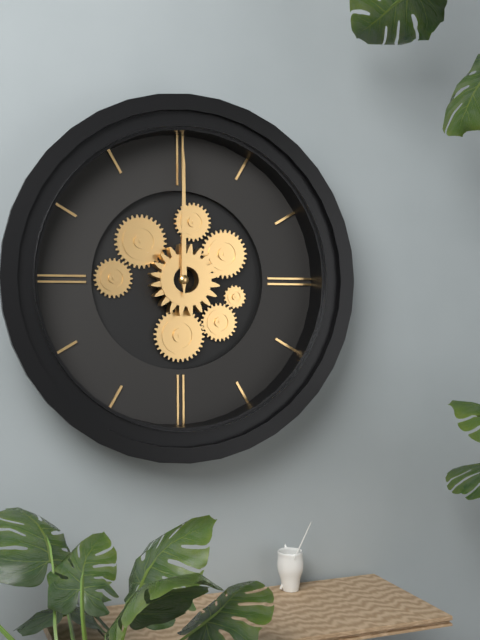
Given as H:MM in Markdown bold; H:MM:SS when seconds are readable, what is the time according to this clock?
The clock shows **12:00**
